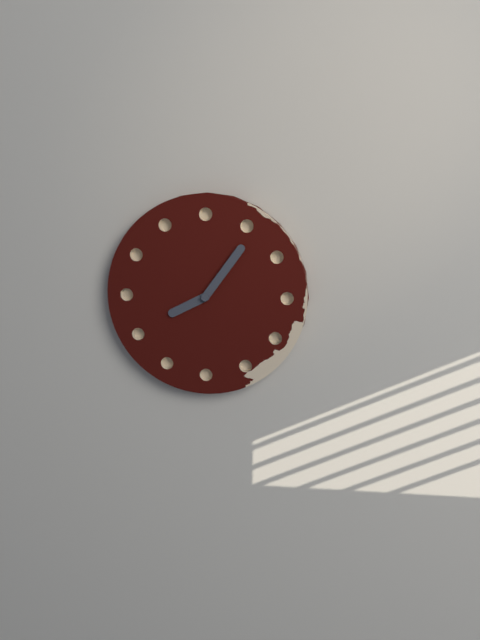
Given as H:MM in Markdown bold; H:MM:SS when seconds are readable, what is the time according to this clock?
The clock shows **8:06**
